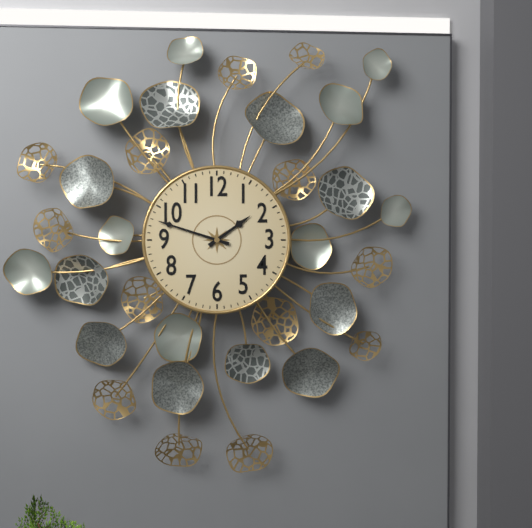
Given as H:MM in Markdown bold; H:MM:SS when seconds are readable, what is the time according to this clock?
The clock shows **1:48**
